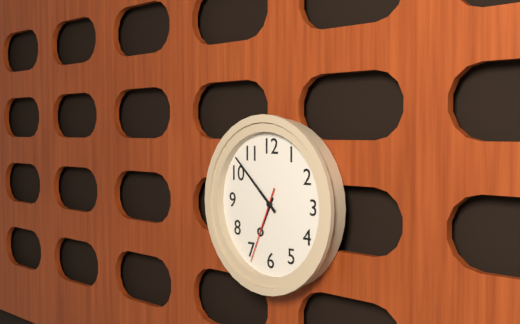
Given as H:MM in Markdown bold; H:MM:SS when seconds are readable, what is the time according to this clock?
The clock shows **6:52:34**
